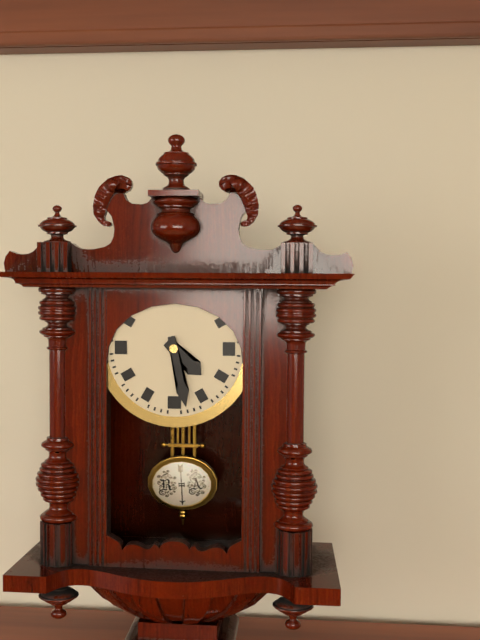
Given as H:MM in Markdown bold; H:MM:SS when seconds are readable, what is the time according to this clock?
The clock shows **4:28**
